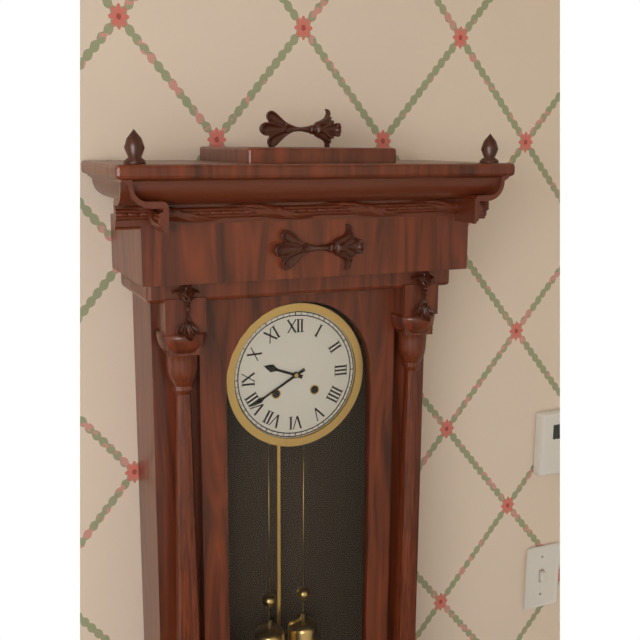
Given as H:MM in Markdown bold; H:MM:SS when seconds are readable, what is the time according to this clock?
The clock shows **9:40**
